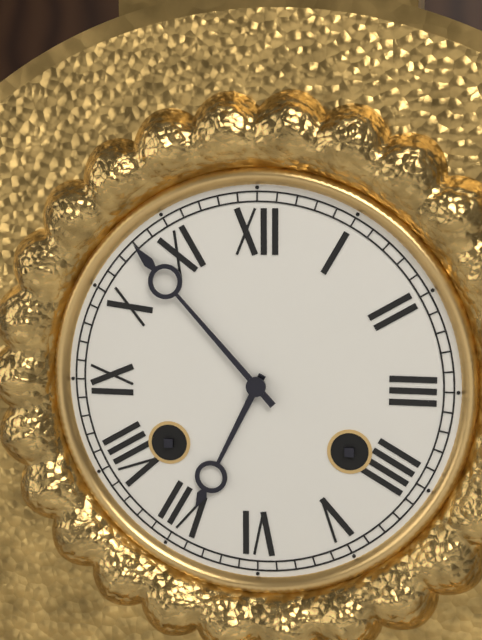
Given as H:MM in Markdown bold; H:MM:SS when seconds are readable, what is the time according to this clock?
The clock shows **6:53**
